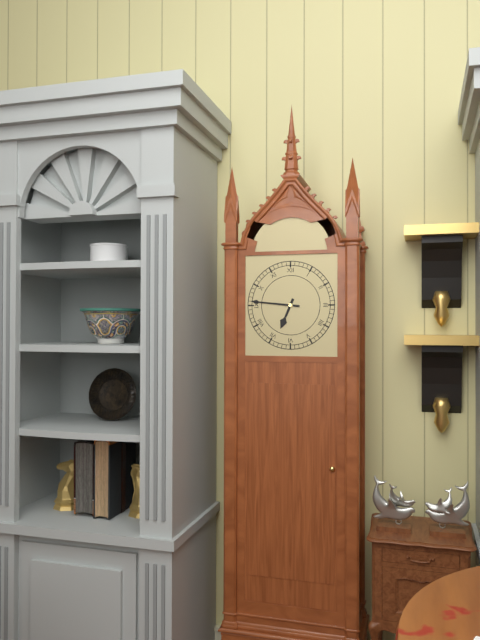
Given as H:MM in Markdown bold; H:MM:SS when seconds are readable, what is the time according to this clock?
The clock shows **6:46**
